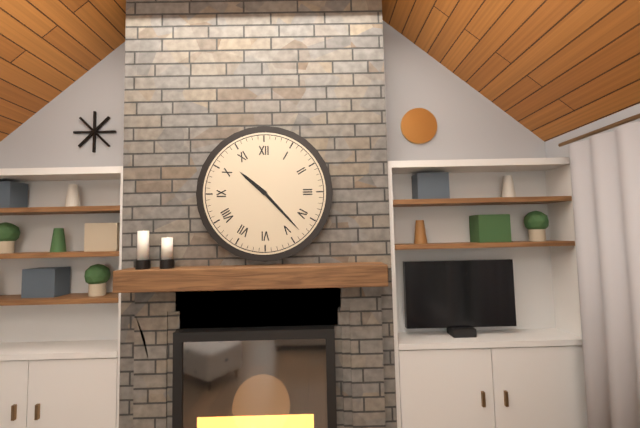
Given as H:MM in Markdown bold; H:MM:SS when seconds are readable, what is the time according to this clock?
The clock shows **10:23**
